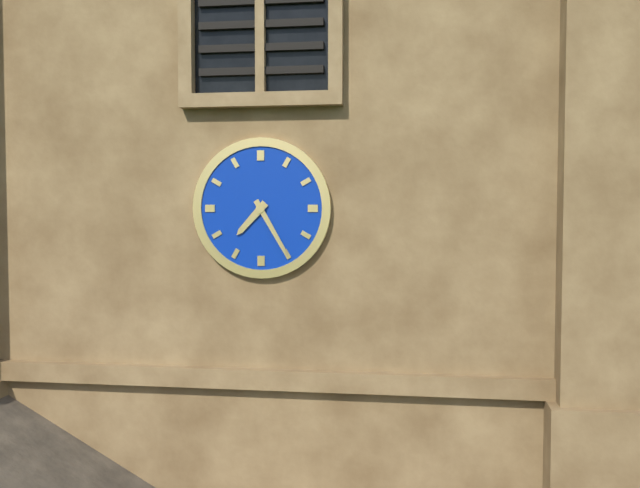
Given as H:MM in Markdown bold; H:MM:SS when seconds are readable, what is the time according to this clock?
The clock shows **7:25**
